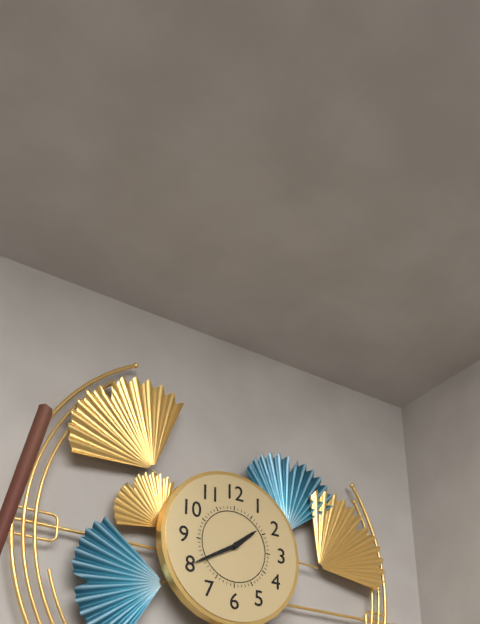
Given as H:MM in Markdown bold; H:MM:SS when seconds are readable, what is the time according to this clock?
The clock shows **1:40**
